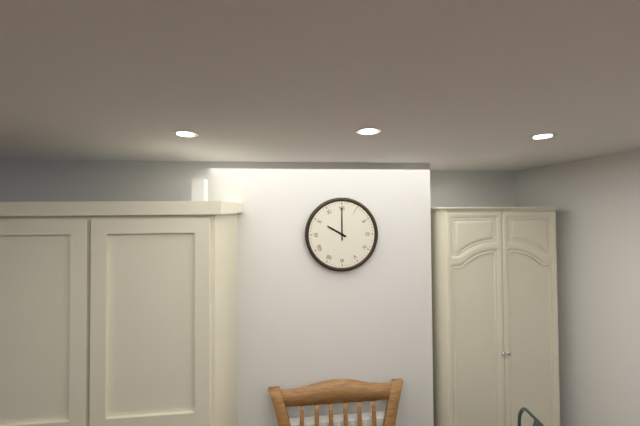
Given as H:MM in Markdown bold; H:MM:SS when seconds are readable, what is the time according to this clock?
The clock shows **10:00**
